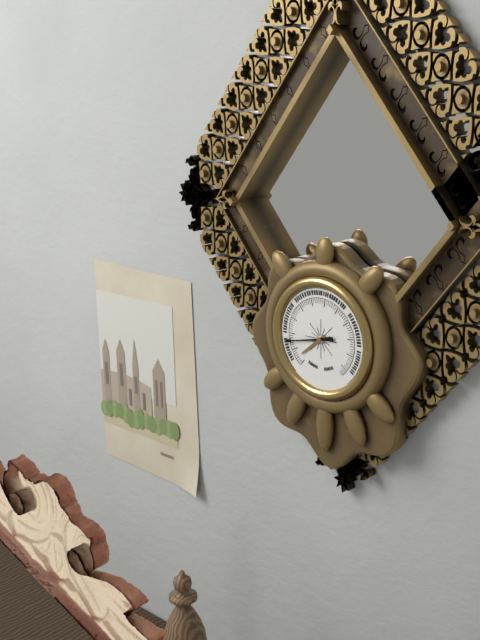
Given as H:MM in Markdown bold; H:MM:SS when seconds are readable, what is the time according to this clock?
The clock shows **7:43**
